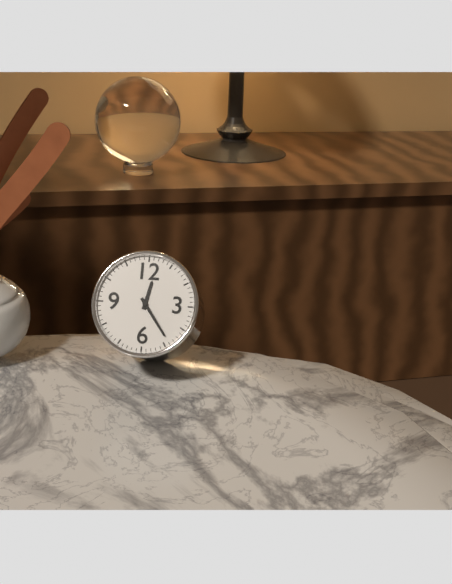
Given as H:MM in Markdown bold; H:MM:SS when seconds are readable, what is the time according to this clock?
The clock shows **12:24**
